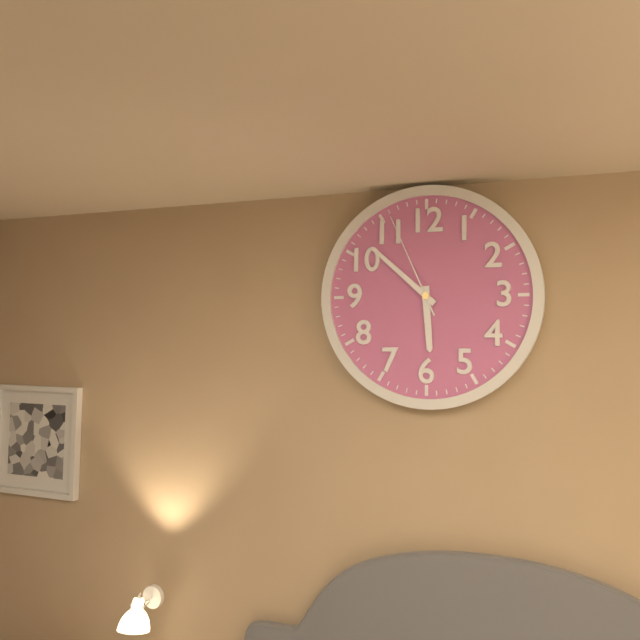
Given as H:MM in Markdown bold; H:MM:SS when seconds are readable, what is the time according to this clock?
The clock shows **5:52:56**
